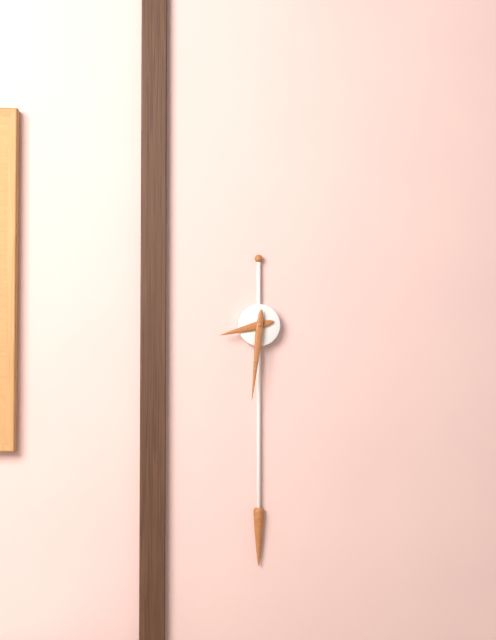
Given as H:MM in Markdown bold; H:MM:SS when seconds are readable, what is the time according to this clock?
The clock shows **8:31**
